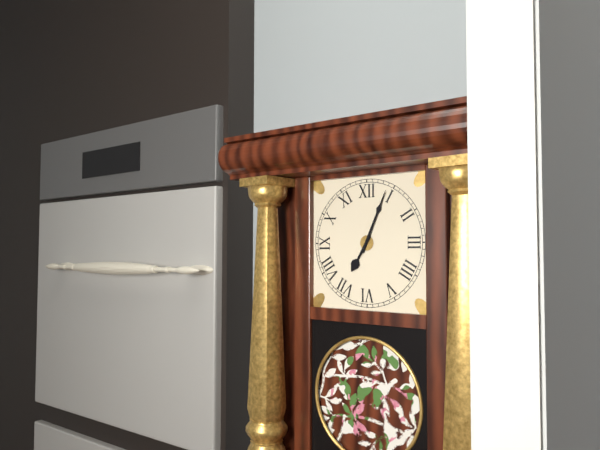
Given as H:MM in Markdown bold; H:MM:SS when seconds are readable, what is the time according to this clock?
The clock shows **7:04**
